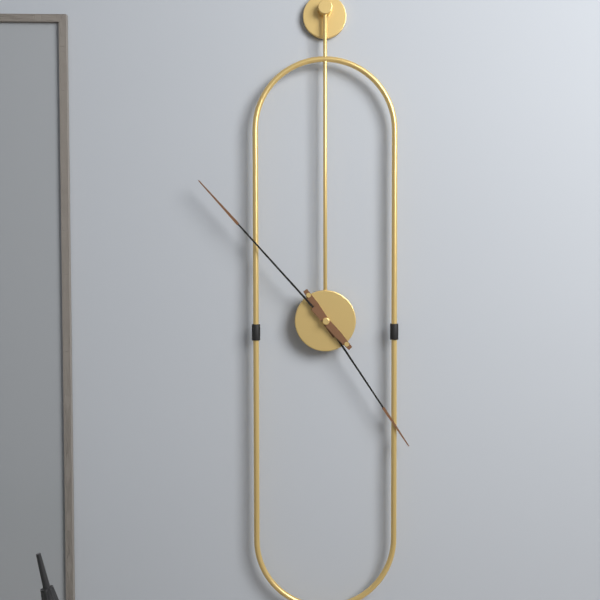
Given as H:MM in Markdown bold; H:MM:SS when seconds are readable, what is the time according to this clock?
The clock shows **4:53**
